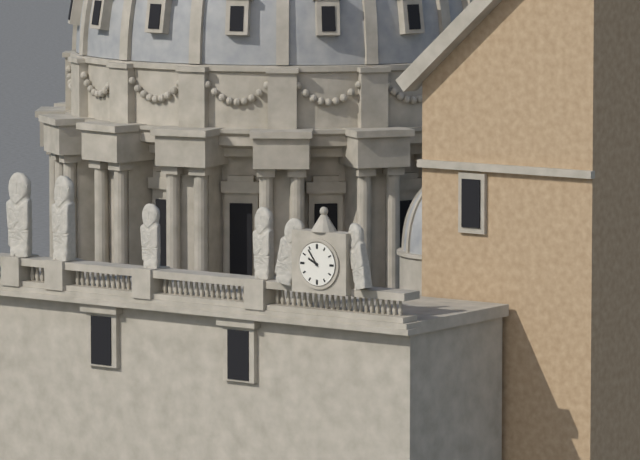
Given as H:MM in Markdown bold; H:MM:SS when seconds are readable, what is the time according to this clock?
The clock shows **9:54**
